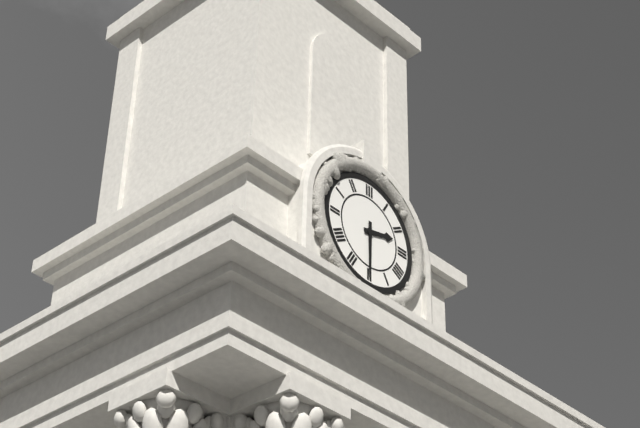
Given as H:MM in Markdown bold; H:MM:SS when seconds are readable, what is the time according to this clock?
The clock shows **2:30**
